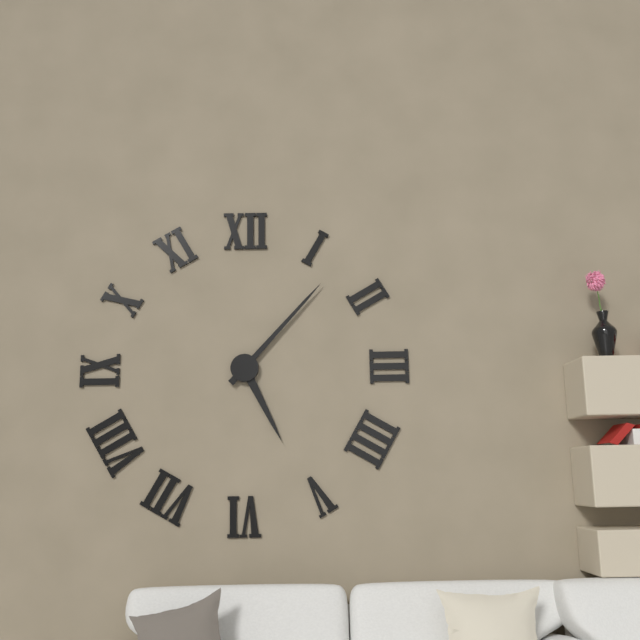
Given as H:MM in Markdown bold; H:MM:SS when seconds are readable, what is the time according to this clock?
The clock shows **5:07**
